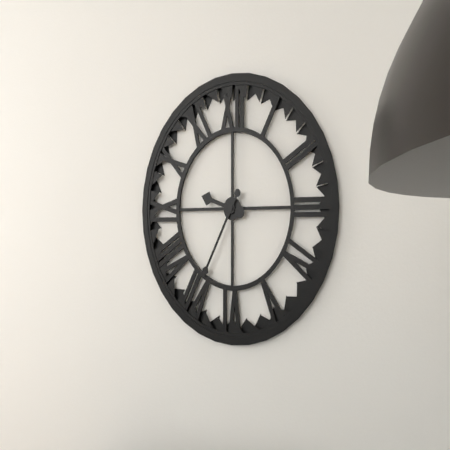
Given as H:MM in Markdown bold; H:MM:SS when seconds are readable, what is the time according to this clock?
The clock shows **9:35**
